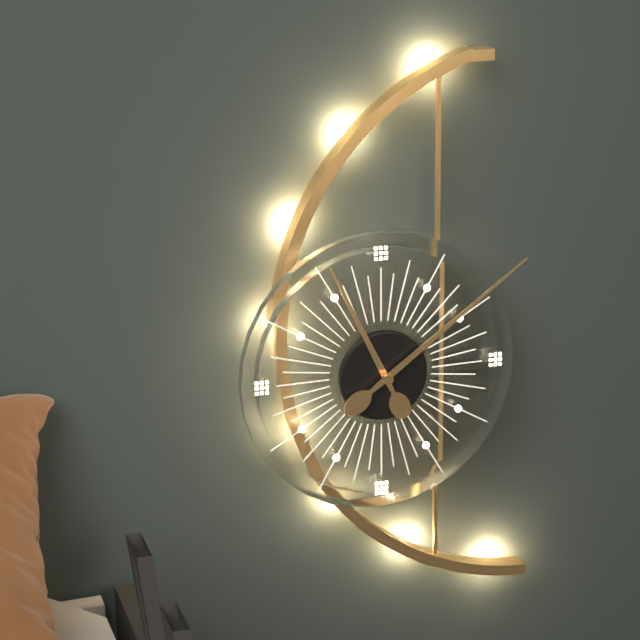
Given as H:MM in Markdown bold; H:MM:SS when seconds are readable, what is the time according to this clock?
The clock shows **11:09**
